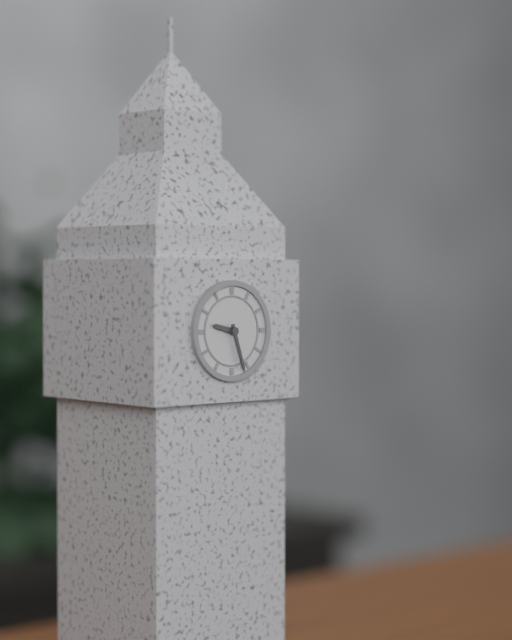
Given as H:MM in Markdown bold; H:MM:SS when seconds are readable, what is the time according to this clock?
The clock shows **9:27**
